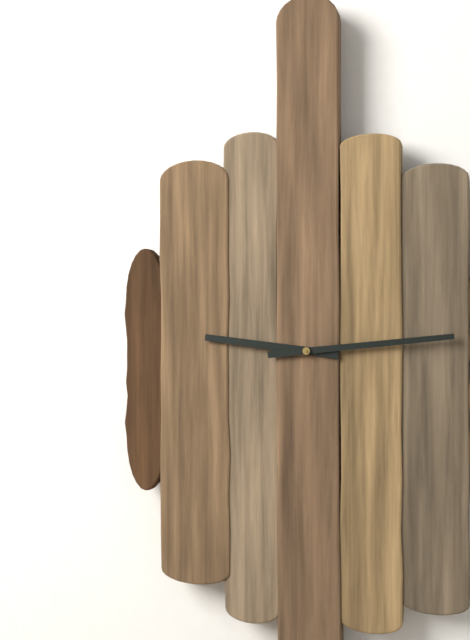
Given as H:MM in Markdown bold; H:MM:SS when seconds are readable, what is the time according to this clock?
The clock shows **9:14**
